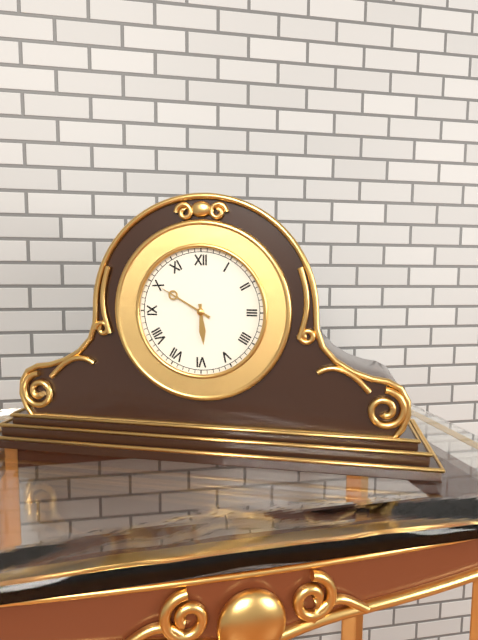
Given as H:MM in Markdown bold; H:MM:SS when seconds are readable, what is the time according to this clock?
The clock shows **5:50**
